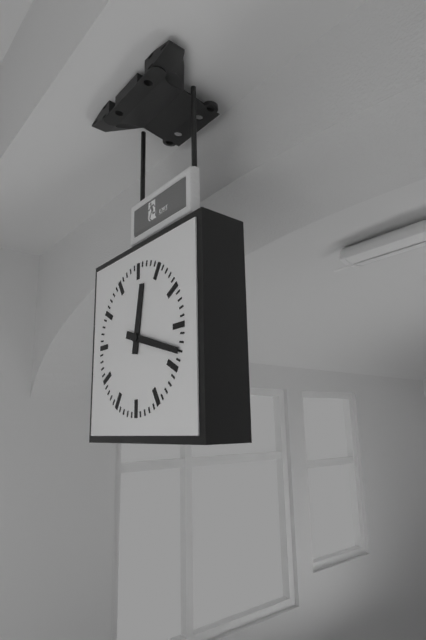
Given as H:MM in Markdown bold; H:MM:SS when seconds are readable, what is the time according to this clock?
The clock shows **12:18**
